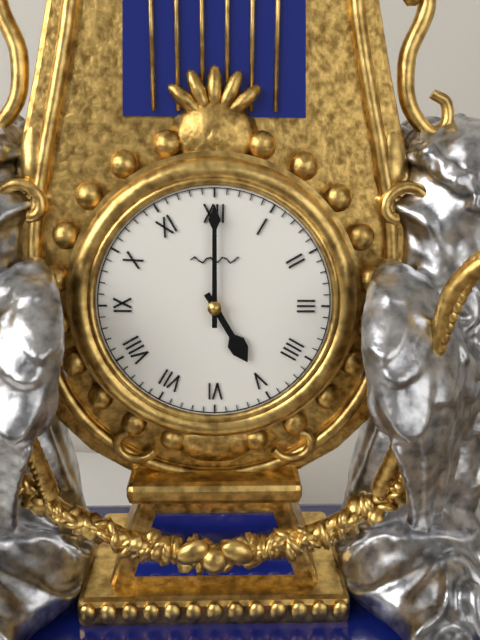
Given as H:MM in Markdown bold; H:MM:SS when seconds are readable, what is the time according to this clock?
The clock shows **5:00**
